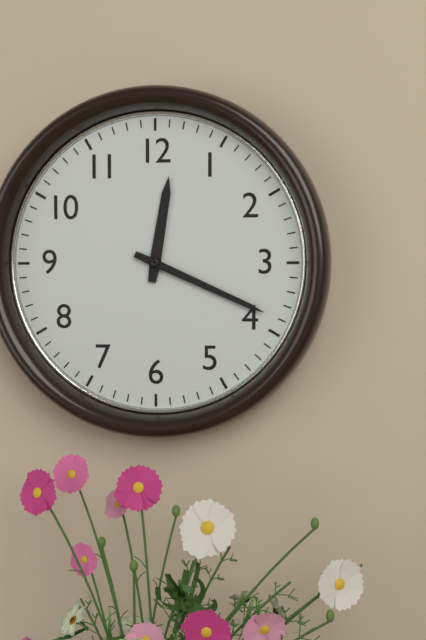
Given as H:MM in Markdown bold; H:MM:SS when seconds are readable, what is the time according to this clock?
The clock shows **12:19**
